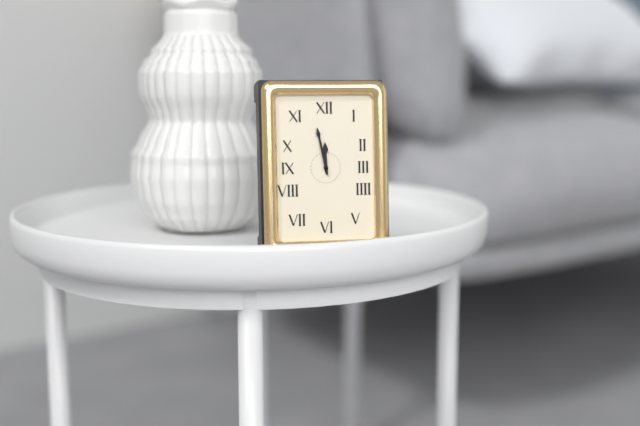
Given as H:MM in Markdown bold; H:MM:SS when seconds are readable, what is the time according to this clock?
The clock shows **11:58**
